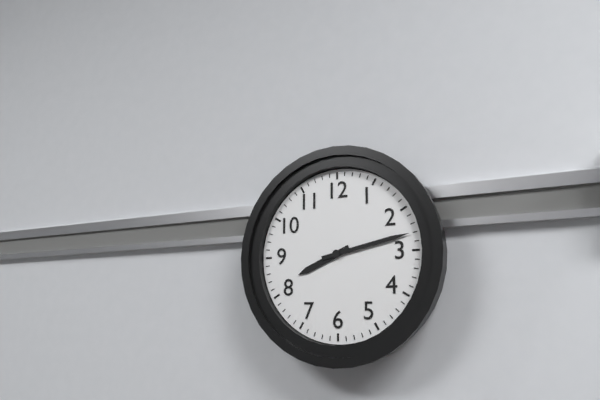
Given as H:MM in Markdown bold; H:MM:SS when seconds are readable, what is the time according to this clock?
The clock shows **8:13**
